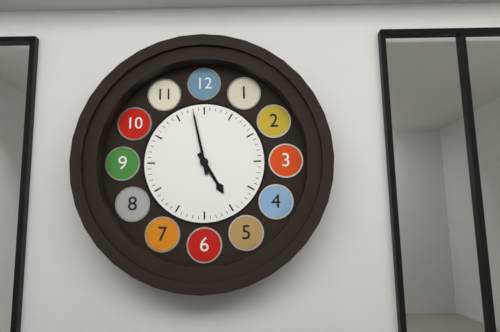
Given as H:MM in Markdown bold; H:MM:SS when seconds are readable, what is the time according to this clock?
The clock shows **4:58**
